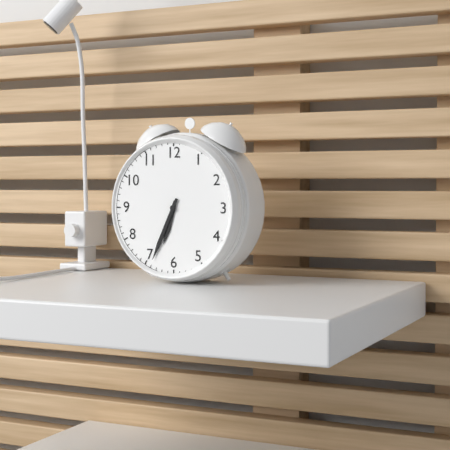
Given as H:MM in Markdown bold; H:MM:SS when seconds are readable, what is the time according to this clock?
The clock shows **6:34**
